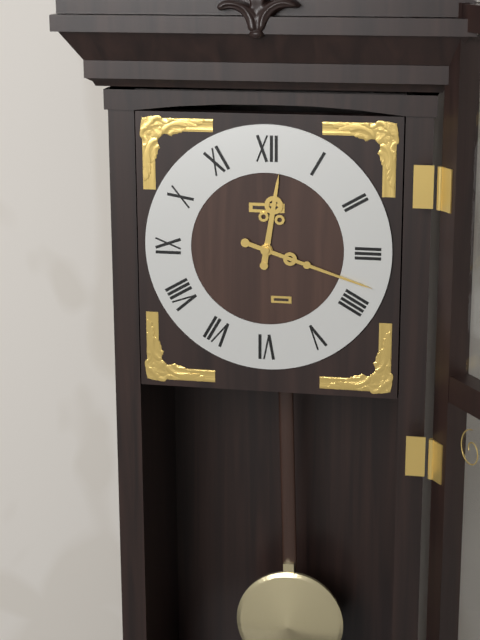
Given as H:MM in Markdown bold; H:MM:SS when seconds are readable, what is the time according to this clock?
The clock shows **12:18**
